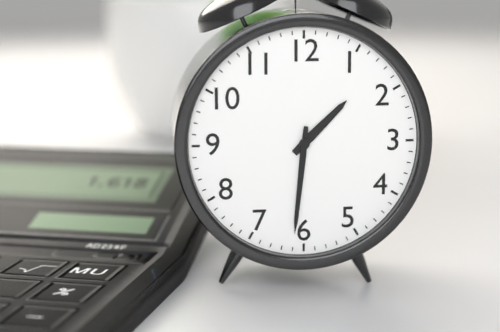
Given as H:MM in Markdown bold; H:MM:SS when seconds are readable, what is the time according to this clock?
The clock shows **1:31**
